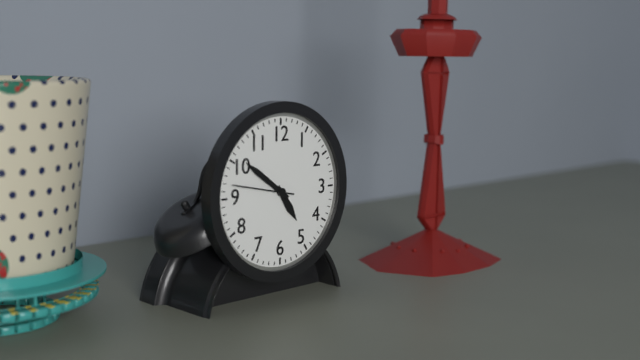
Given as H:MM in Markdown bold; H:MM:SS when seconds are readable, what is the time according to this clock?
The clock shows **4:51**
